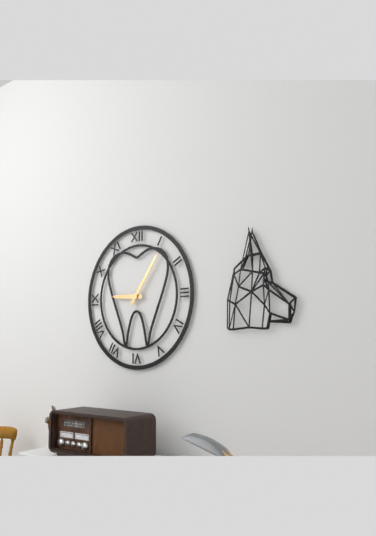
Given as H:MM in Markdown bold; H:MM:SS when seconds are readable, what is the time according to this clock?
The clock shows **9:06**
